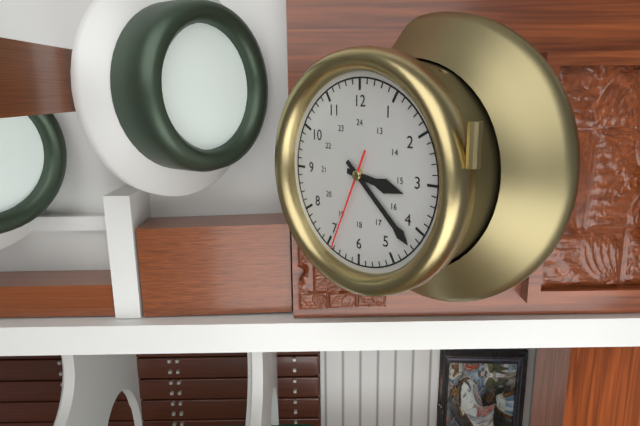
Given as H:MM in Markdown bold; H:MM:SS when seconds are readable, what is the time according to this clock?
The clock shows **3:22:34**
